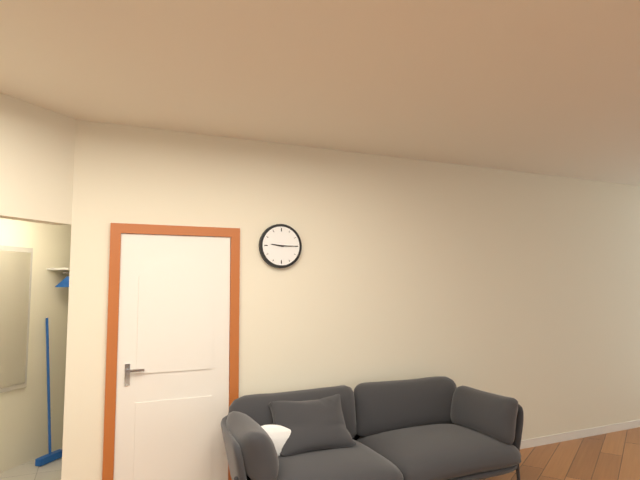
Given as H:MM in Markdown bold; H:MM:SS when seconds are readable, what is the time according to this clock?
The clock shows **9:15**
